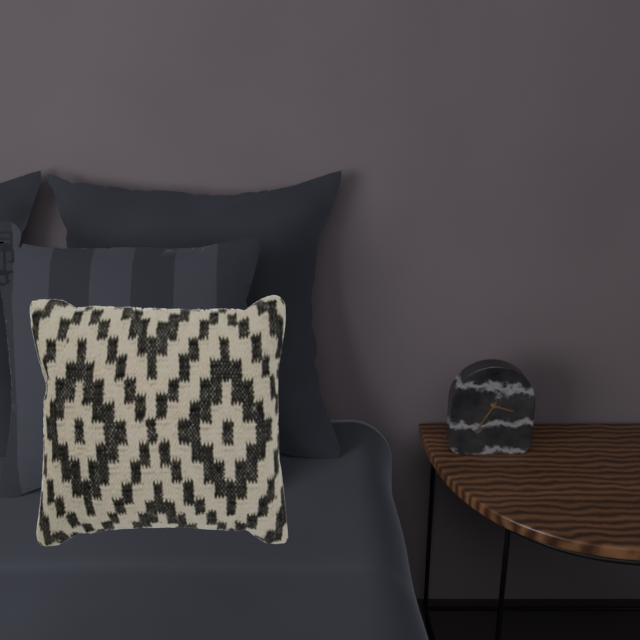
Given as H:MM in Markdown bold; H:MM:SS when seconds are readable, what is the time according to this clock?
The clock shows **3:35**
